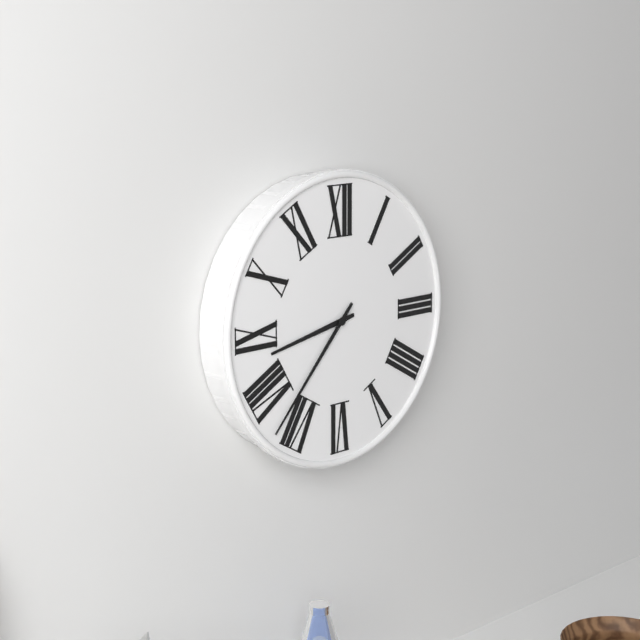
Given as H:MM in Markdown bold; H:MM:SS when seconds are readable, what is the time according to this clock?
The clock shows **8:37**
